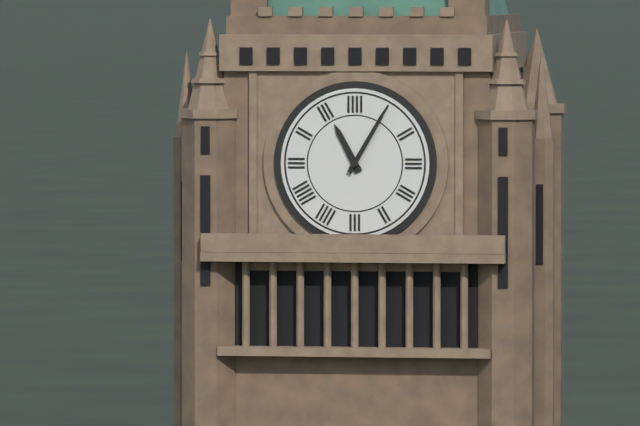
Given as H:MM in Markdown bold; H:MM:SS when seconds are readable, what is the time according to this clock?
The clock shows **11:05**
